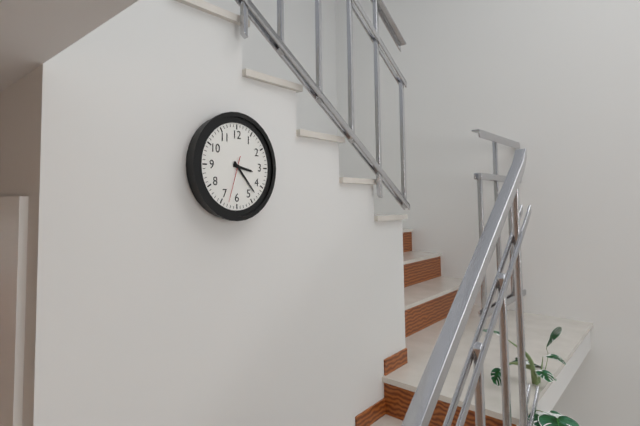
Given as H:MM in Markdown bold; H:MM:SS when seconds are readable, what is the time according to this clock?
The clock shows **3:23**
